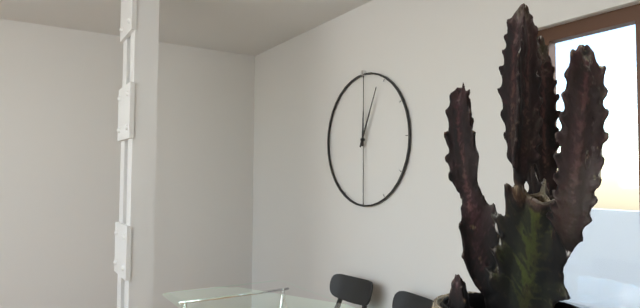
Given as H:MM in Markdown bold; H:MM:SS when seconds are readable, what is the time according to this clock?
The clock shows **12:04**
